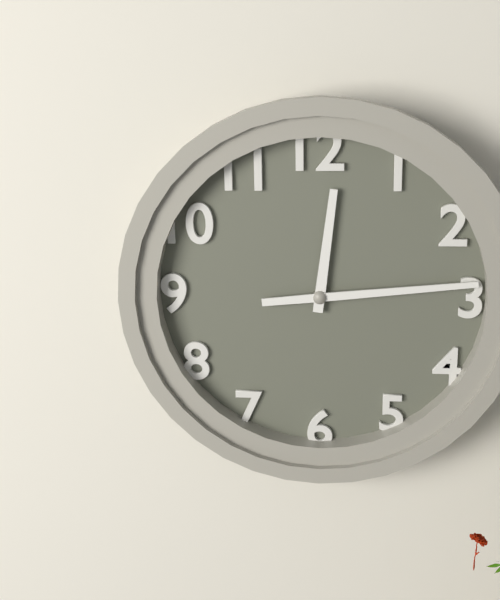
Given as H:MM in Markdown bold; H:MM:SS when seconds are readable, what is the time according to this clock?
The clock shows **12:14**
